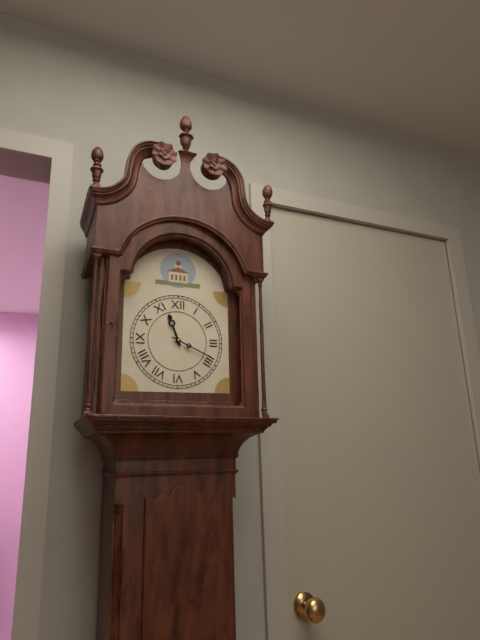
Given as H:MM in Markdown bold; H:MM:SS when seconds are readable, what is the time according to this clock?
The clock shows **11:19**
